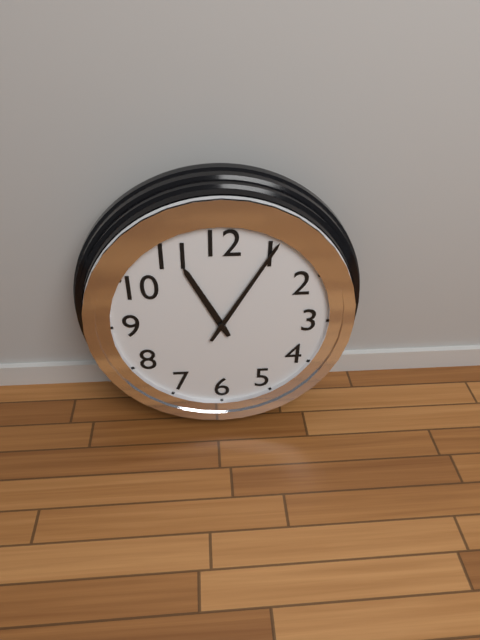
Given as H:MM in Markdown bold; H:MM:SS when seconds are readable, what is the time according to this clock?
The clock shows **11:05**
